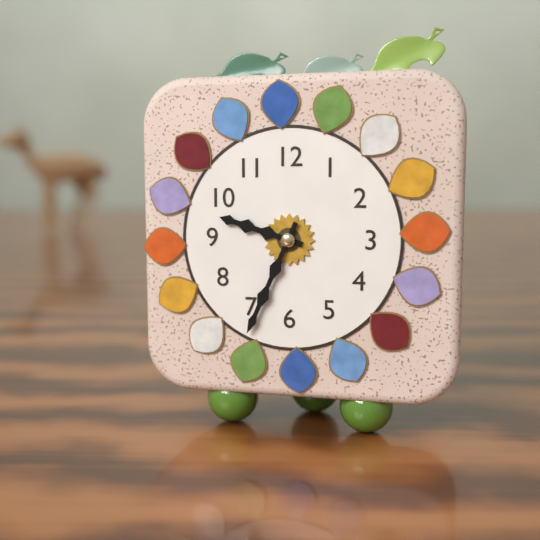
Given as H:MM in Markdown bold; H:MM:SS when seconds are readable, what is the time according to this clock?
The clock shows **9:34**
